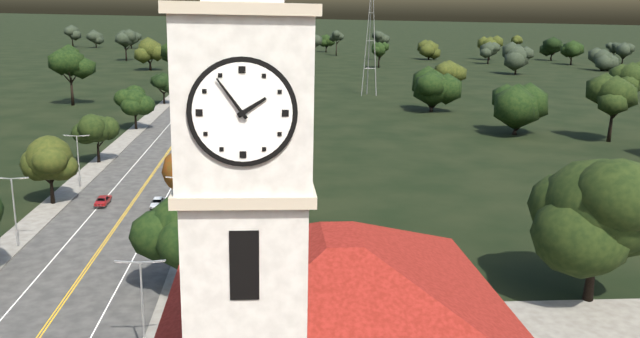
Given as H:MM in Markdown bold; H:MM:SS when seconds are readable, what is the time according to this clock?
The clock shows **1:54**
